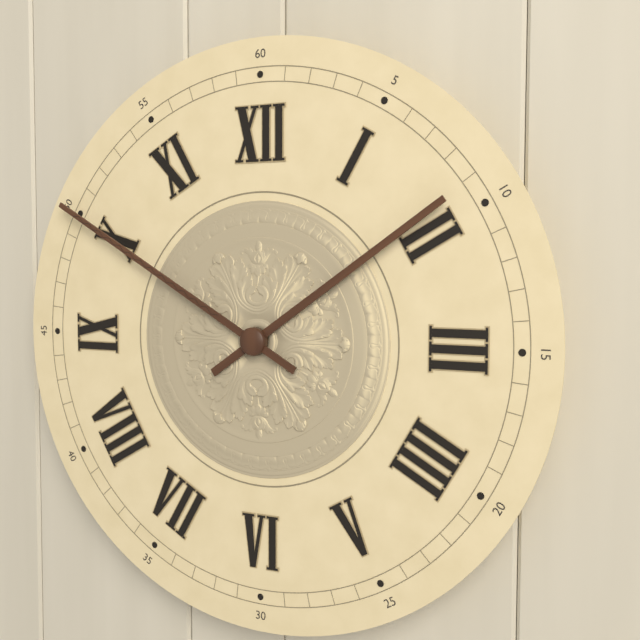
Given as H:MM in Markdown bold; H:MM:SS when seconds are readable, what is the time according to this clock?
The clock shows **1:50**
